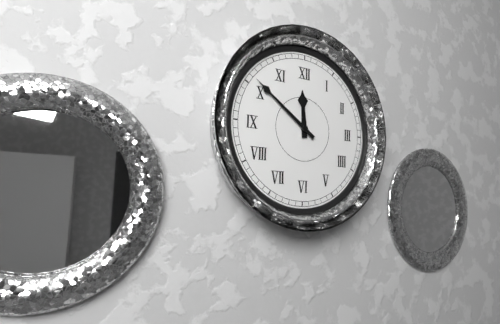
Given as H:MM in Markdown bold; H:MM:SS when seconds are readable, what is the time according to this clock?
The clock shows **11:51**
